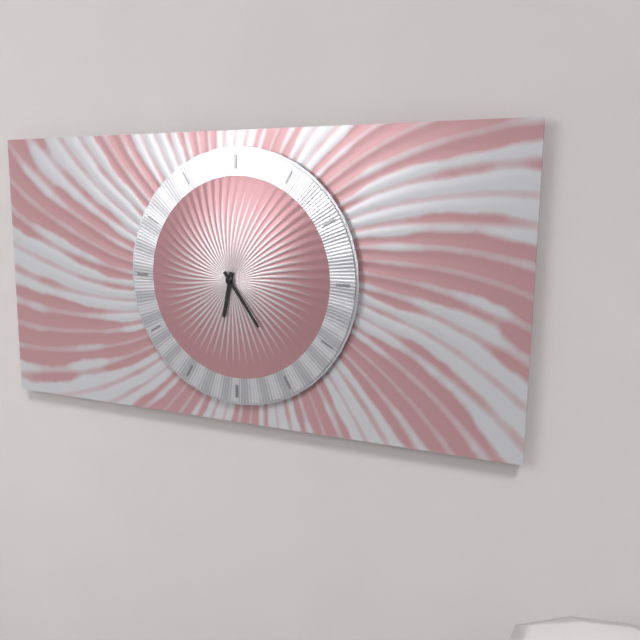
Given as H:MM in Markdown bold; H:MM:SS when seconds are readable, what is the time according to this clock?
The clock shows **6:24**
